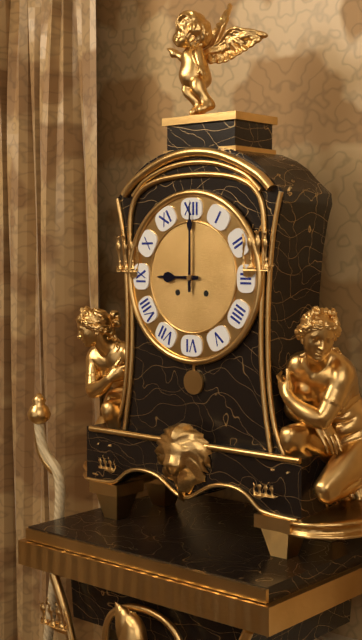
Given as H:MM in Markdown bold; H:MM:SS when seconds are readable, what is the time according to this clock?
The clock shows **9:00**
